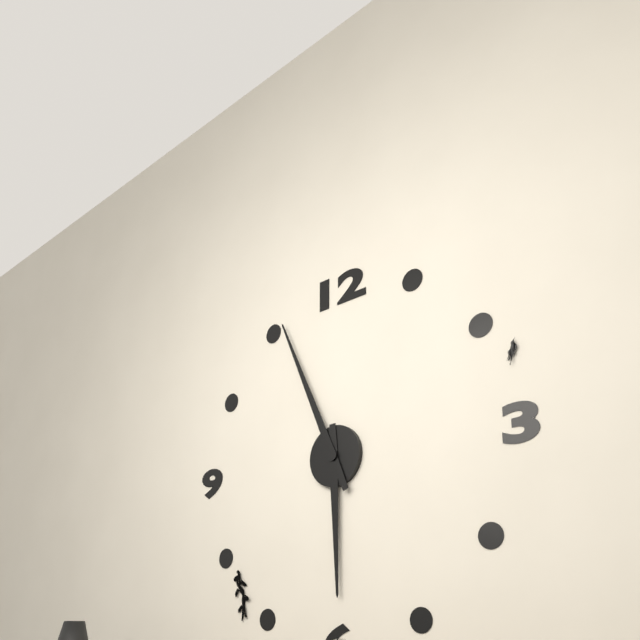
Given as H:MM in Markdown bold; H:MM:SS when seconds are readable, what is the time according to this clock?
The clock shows **5:56**
